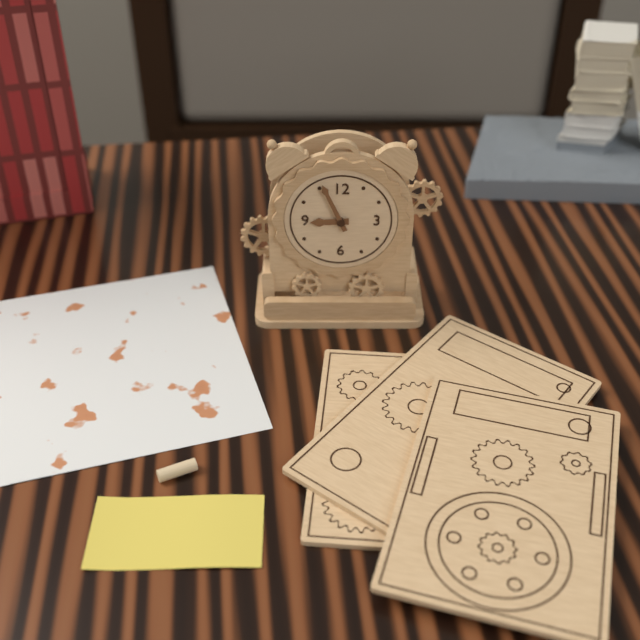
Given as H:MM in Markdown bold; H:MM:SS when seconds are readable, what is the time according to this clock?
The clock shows **8:56**
